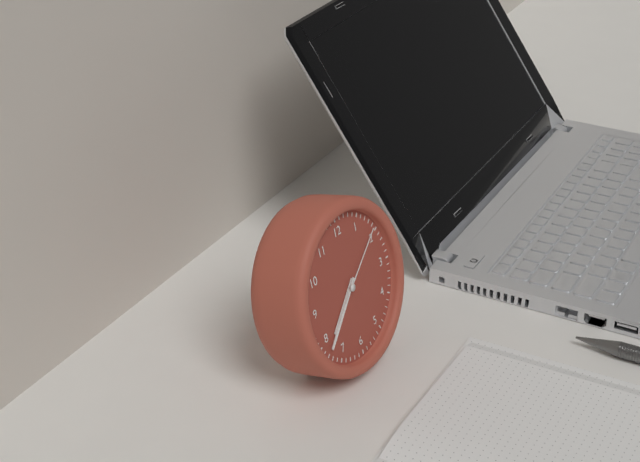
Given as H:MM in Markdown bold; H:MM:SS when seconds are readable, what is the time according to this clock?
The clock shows **7:38:09**
